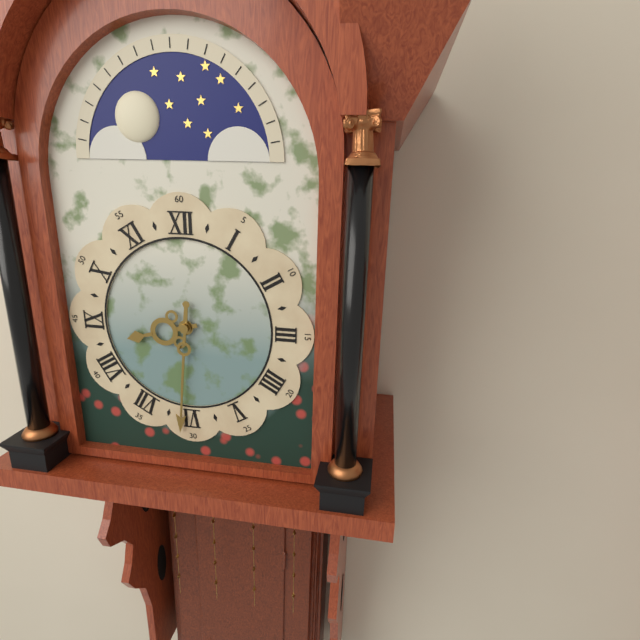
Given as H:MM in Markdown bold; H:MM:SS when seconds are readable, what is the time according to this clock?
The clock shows **8:31**
